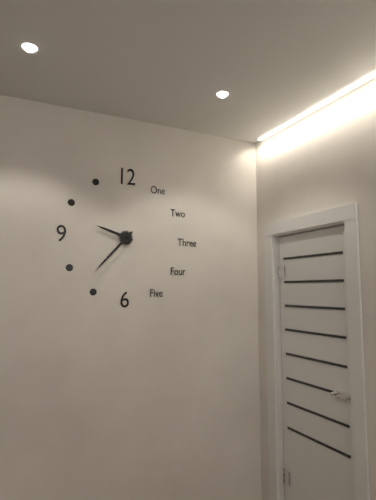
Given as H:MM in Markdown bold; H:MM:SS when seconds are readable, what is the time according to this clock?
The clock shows **9:37**
